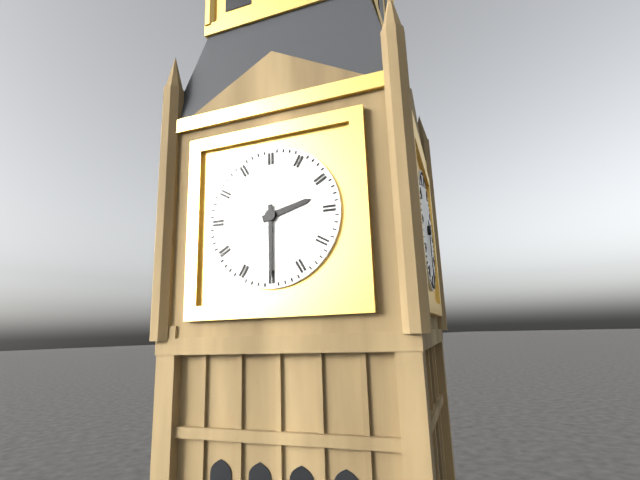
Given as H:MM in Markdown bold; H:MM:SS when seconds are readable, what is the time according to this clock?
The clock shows **2:30**
